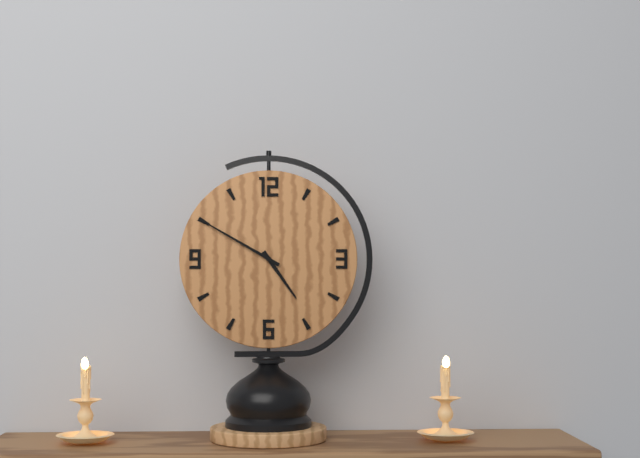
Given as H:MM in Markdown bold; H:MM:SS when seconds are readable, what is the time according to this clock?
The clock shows **4:50**
